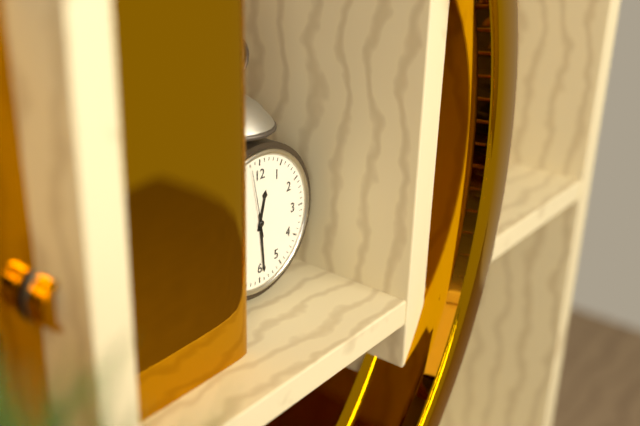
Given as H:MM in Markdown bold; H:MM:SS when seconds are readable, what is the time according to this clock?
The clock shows **12:29:58**
